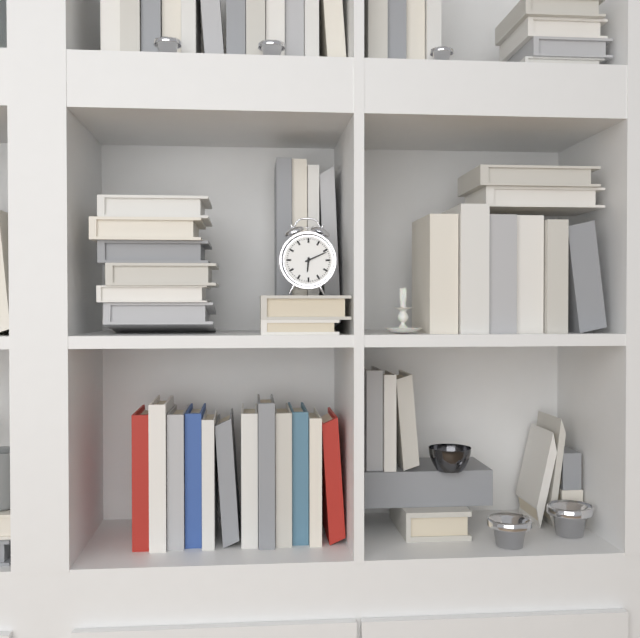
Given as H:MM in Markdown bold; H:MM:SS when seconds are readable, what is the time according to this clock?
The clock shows **6:11**
